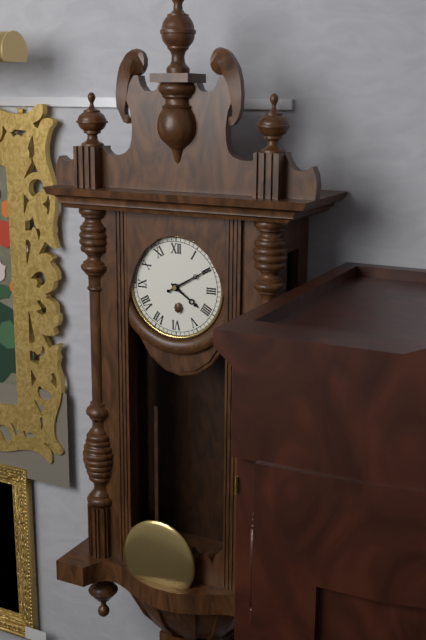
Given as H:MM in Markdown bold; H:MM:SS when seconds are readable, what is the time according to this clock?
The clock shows **4:10**
